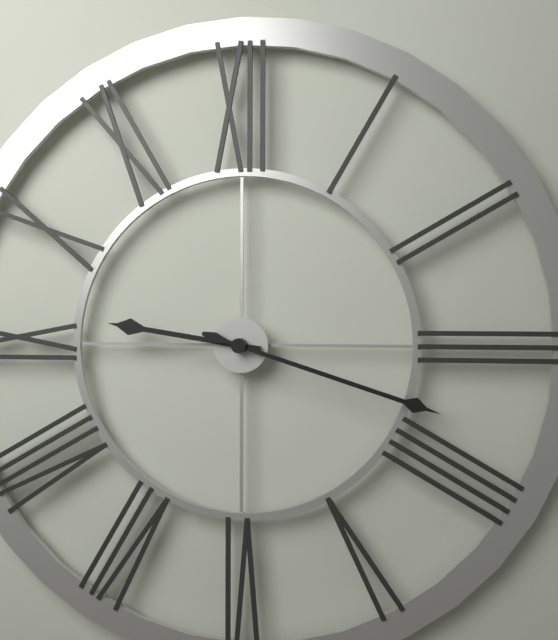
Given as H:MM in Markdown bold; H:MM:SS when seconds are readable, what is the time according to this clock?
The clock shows **9:18**
